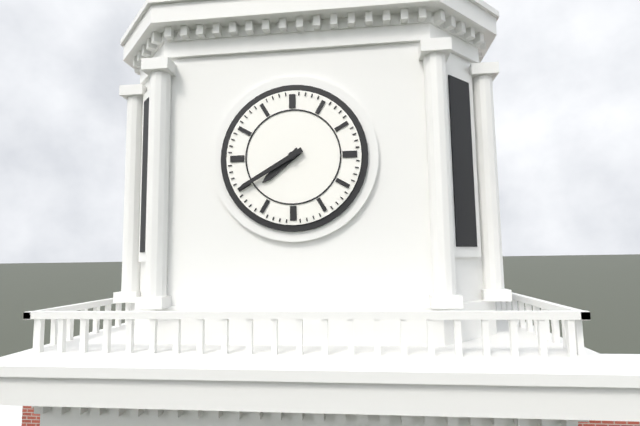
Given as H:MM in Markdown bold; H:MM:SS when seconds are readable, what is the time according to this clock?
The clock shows **7:40**
